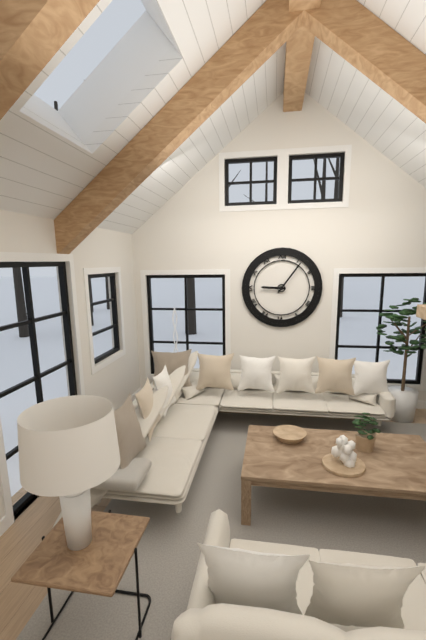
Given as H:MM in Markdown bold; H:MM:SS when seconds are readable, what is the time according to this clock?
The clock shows **9:06**
